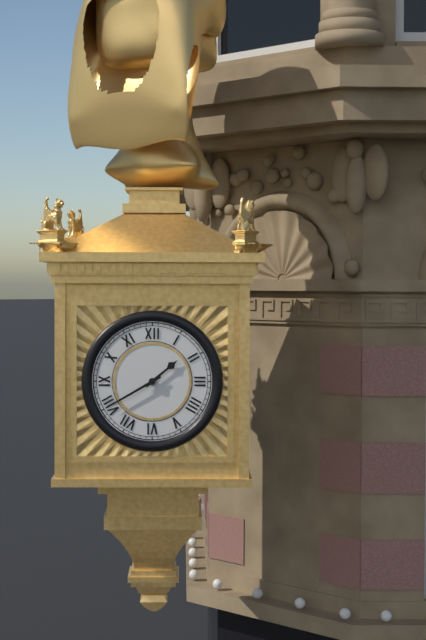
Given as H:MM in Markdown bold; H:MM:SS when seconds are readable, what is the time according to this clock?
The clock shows **1:40**
